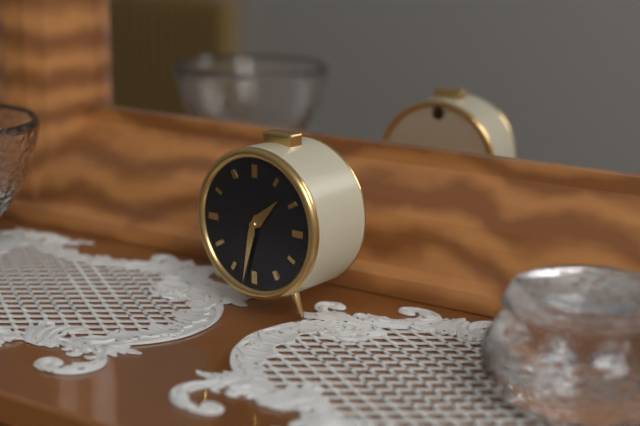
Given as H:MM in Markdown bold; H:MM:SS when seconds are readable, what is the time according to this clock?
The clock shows **1:32**
